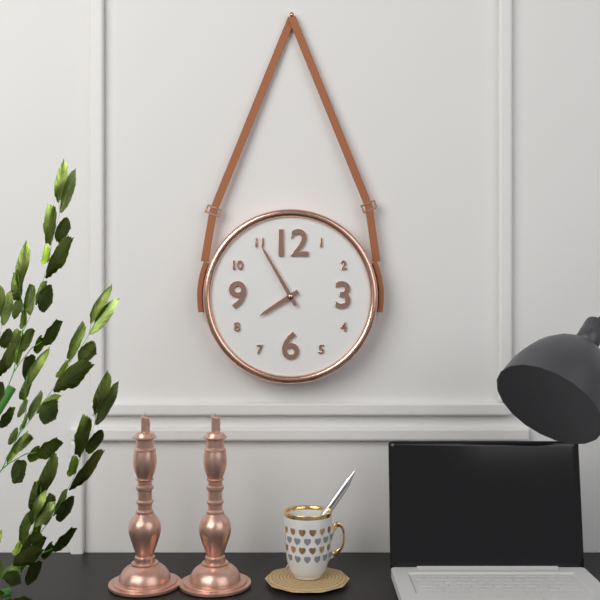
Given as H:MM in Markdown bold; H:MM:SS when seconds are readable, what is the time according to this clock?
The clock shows **7:55**
